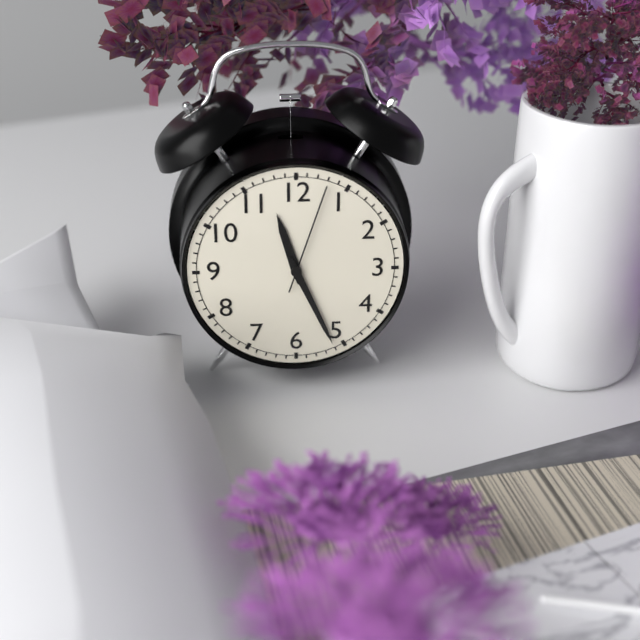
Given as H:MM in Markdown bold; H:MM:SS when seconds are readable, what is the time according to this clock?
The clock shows **11:26:03**
